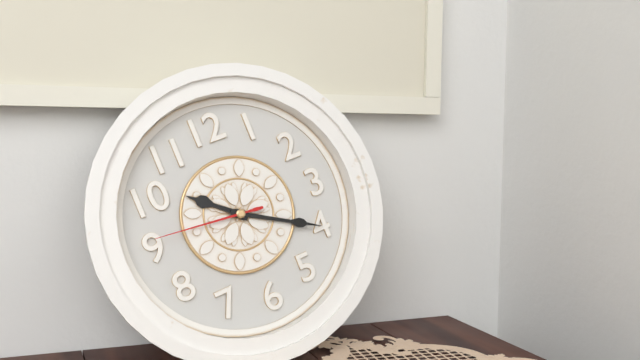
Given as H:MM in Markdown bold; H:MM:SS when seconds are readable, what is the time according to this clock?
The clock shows **10:20:46**
